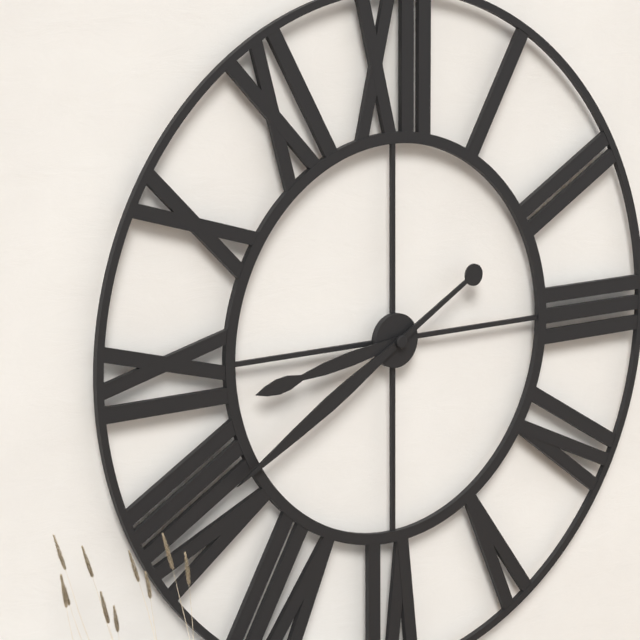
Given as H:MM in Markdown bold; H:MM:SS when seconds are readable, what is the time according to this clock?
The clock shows **8:40**
